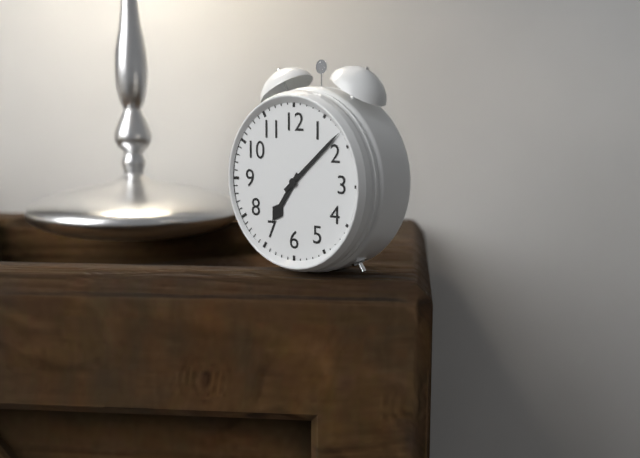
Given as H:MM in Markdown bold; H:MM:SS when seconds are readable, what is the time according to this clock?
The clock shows **7:08**
